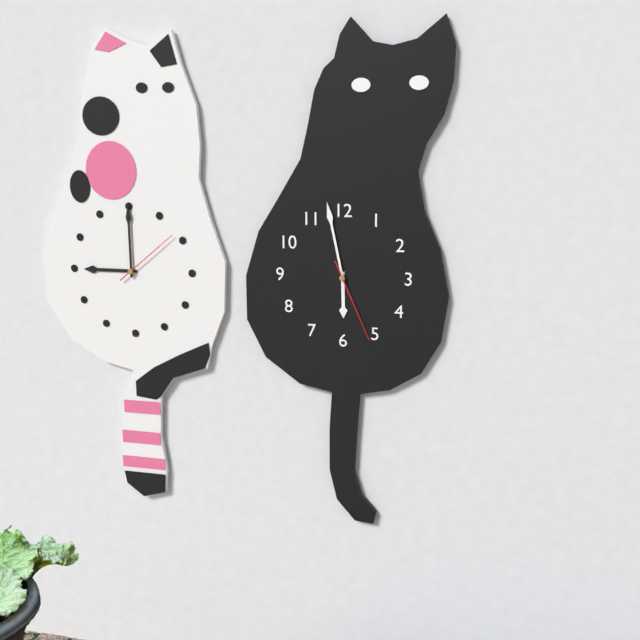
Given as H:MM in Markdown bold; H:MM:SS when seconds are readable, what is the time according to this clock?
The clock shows **5:58:26**
